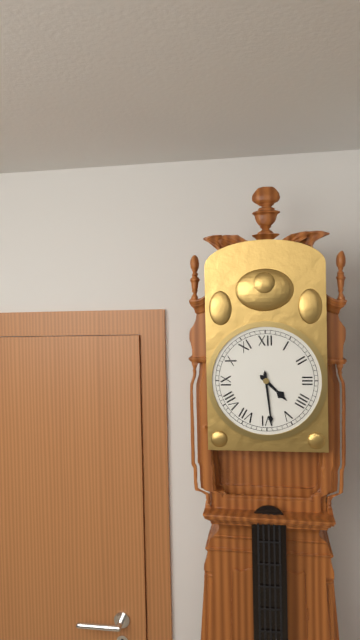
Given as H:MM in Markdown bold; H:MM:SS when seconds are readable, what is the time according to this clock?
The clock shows **4:29**
